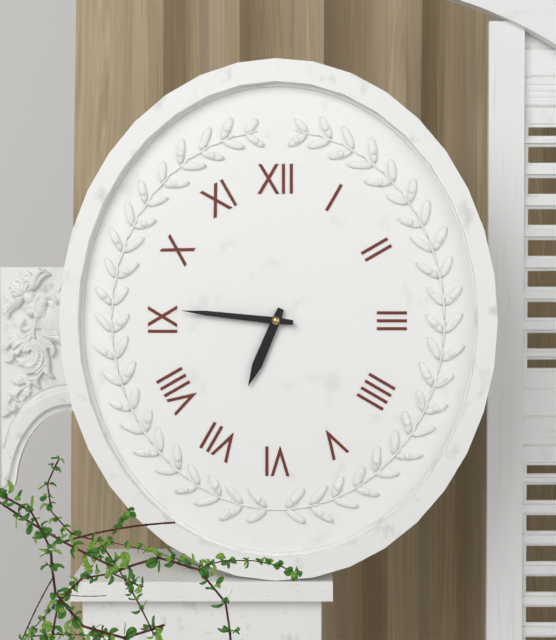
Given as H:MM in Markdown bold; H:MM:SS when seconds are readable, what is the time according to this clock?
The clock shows **6:46**
